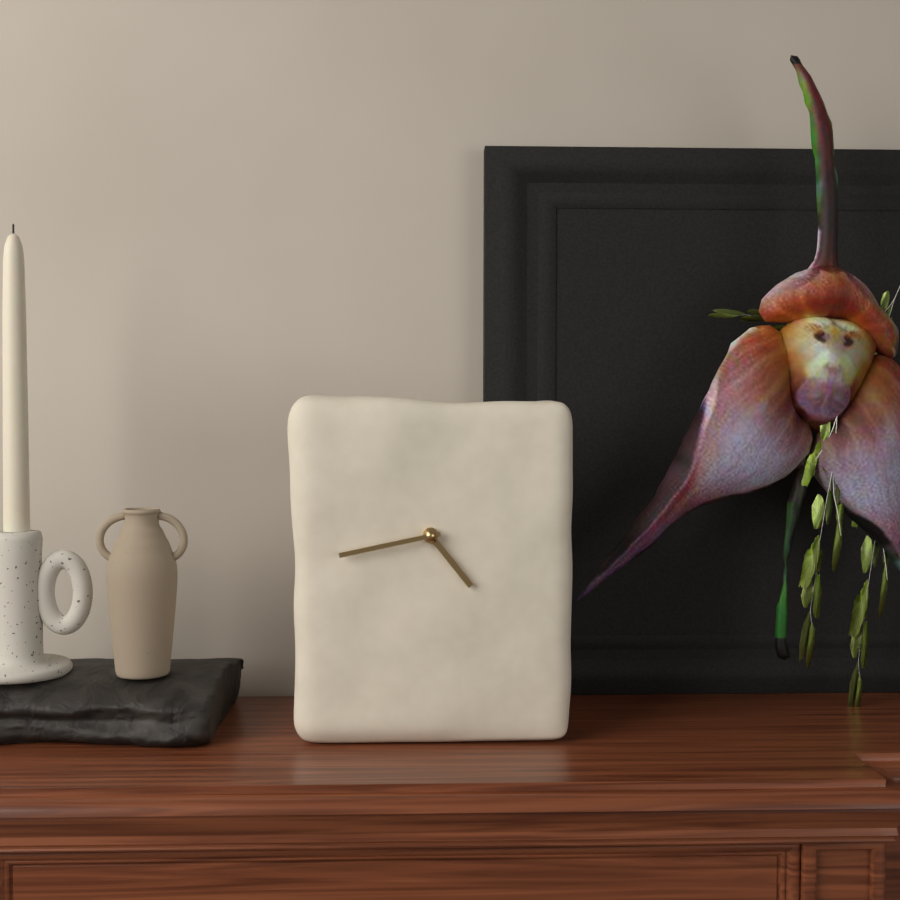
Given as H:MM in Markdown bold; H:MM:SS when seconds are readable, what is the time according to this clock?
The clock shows **4:43**
